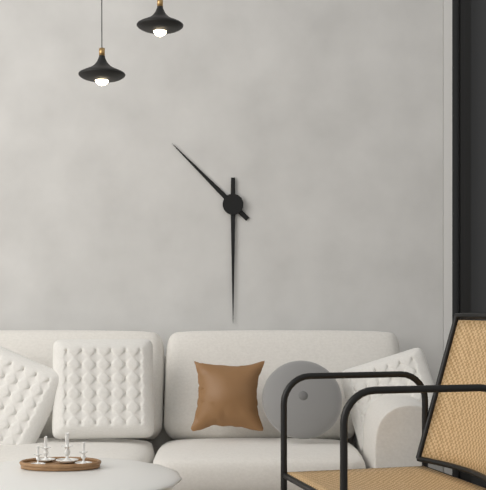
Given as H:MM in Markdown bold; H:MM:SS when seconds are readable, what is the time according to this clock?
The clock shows **10:30**
